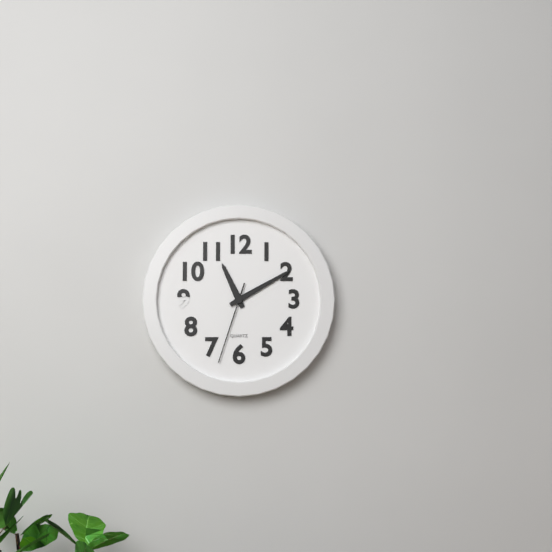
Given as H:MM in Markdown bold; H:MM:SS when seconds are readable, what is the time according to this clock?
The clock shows **11:10:33**
